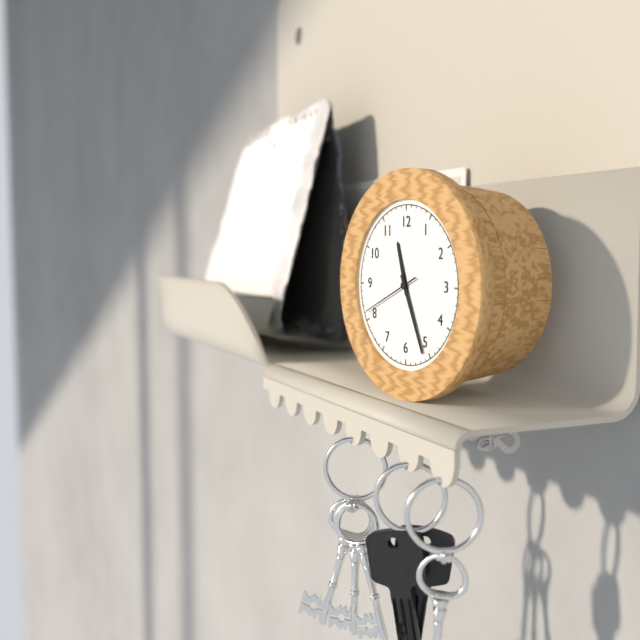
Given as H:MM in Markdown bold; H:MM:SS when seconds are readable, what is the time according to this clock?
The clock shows **11:26:41**
